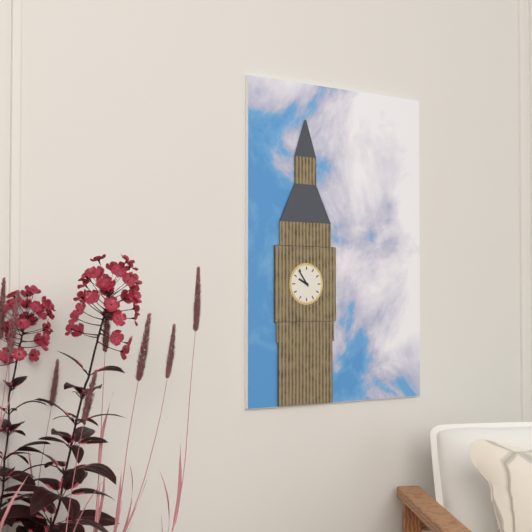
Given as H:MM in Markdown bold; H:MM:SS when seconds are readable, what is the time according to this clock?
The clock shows **9:54**
